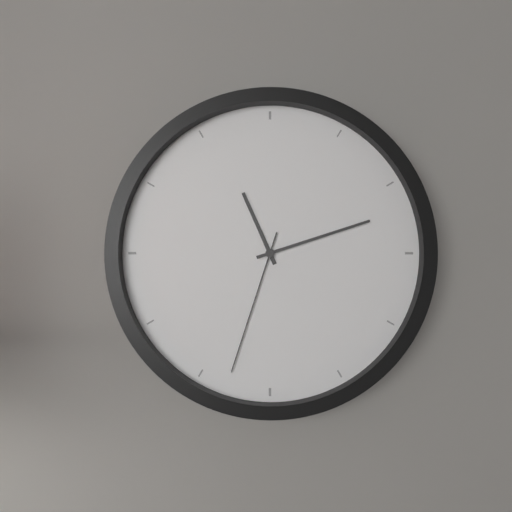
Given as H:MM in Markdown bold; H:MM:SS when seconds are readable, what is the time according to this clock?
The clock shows **11:12:33**
